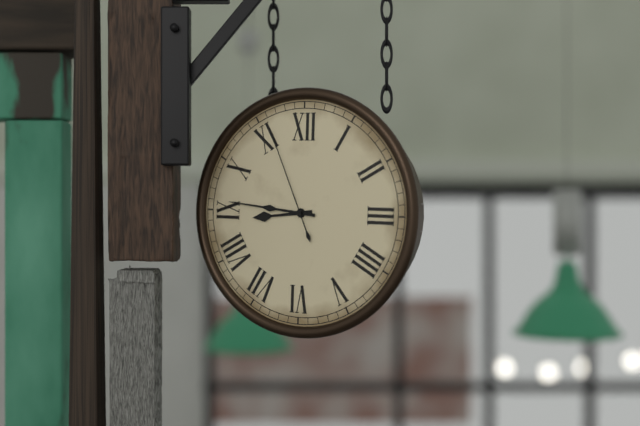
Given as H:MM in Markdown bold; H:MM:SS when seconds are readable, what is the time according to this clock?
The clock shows **8:46:56**
